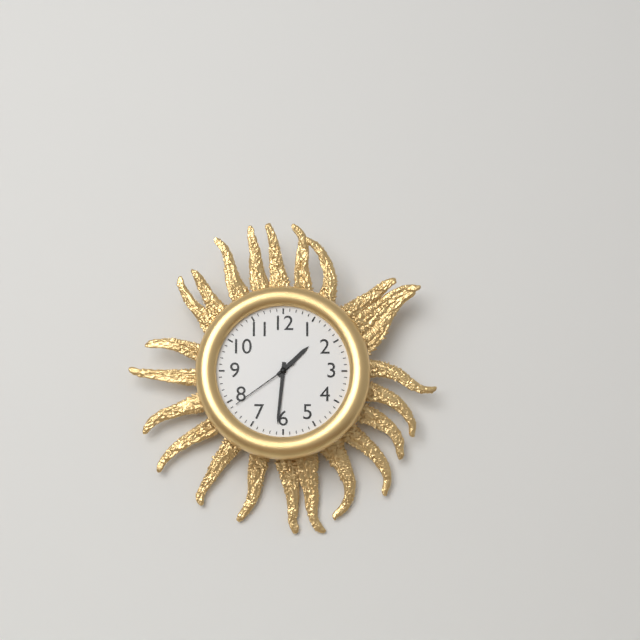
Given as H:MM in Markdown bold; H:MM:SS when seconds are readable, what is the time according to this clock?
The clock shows **1:31:39**
